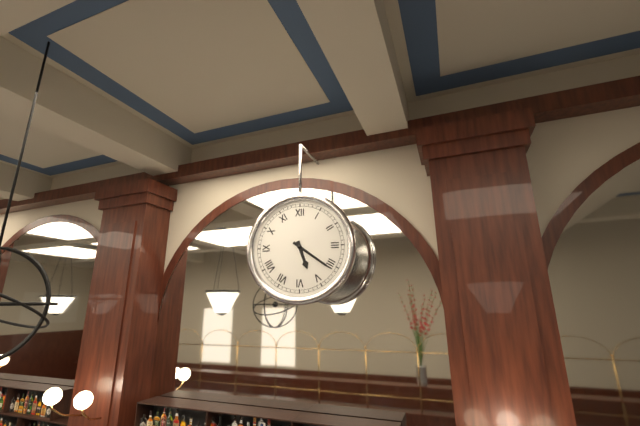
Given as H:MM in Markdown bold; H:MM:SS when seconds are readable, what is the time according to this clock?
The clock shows **5:21**
